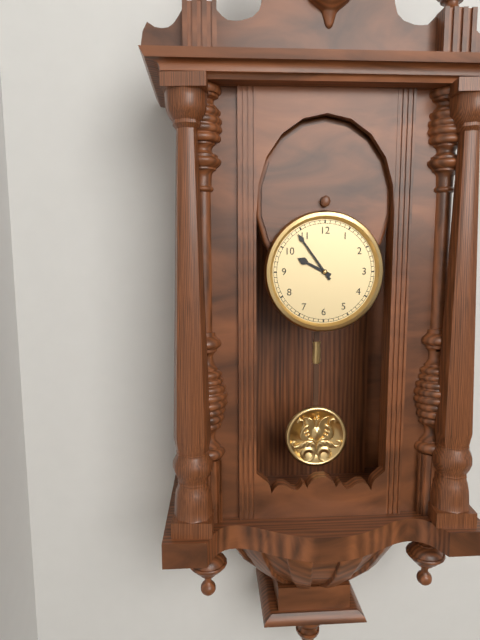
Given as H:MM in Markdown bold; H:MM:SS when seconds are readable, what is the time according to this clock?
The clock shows **9:54**
